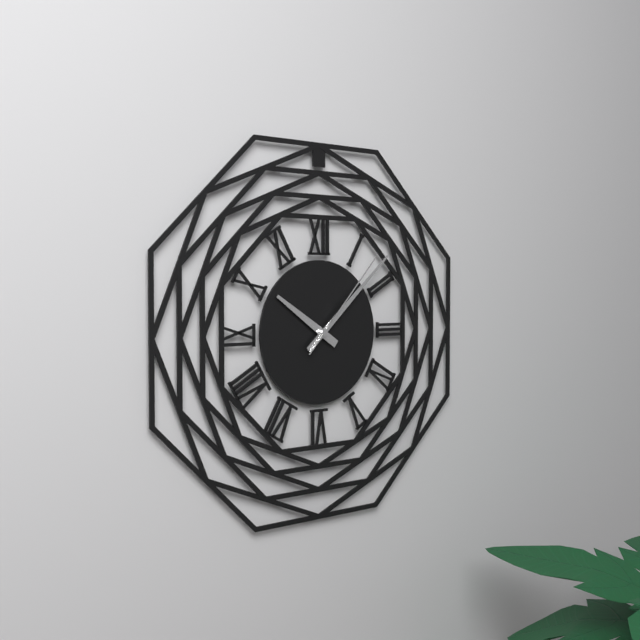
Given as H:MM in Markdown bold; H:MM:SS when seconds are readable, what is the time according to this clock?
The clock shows **10:08:07**
